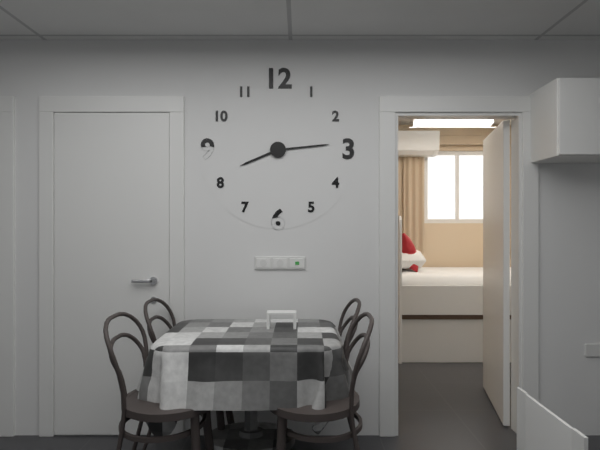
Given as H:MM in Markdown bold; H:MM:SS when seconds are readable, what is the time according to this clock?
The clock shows **8:14**
